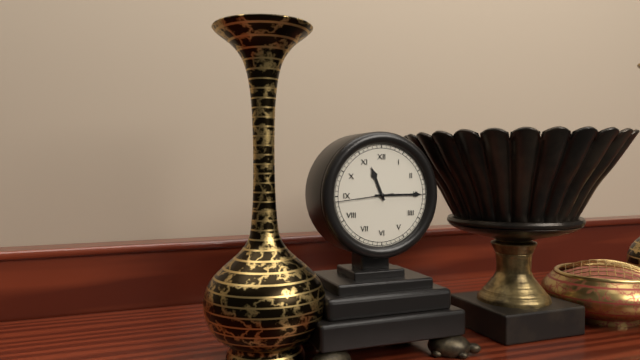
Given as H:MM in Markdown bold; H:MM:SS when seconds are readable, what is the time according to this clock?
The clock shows **11:15:44**
